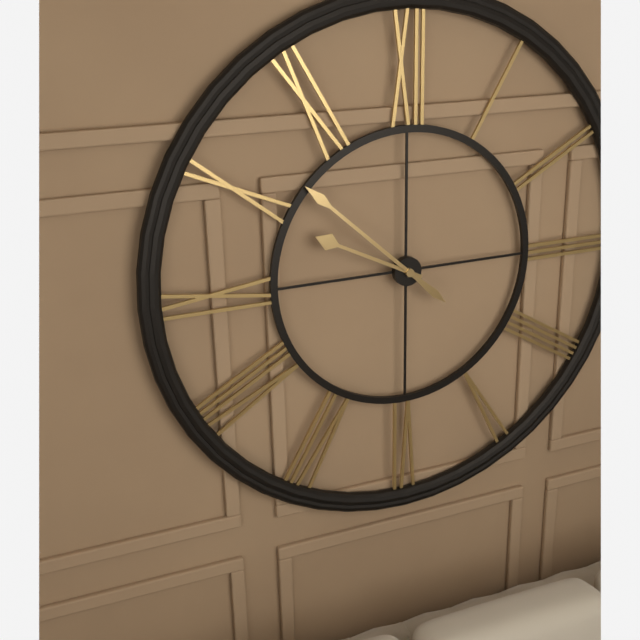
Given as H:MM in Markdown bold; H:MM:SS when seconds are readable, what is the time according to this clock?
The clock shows **9:52**
